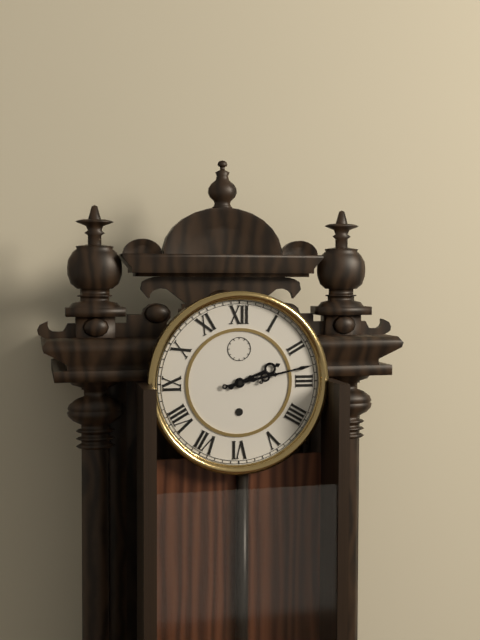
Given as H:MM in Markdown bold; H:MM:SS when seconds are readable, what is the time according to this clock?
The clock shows **2:13**
